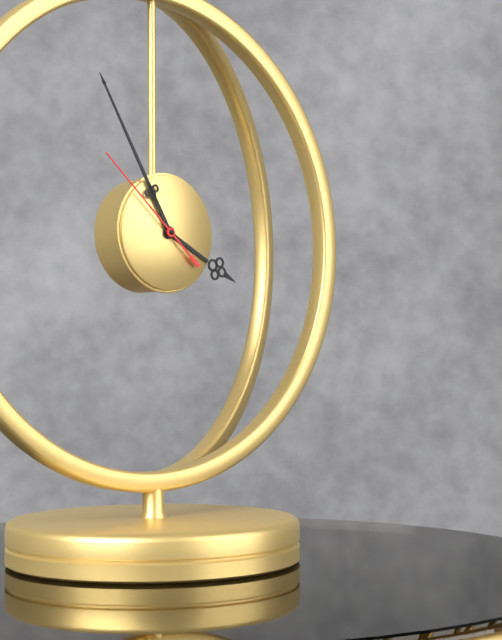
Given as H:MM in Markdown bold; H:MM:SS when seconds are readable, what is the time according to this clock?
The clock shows **3:55:52**
